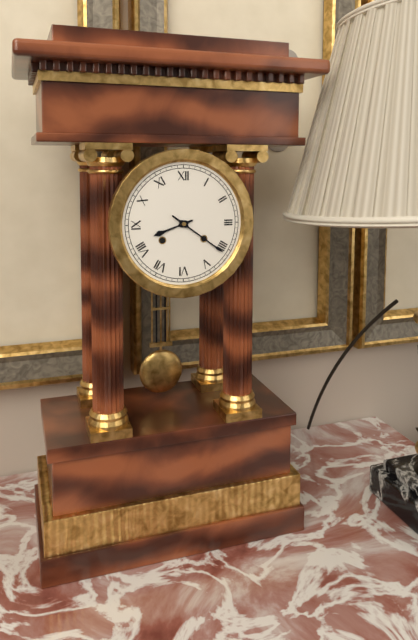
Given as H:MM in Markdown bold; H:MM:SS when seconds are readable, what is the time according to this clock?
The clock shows **8:21**
